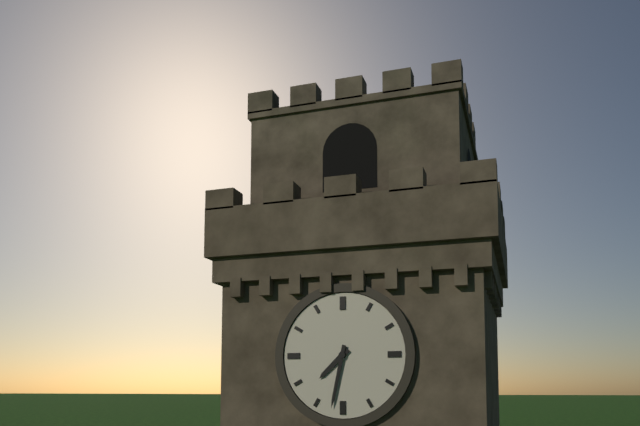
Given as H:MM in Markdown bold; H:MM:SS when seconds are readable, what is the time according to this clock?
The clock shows **7:32**
